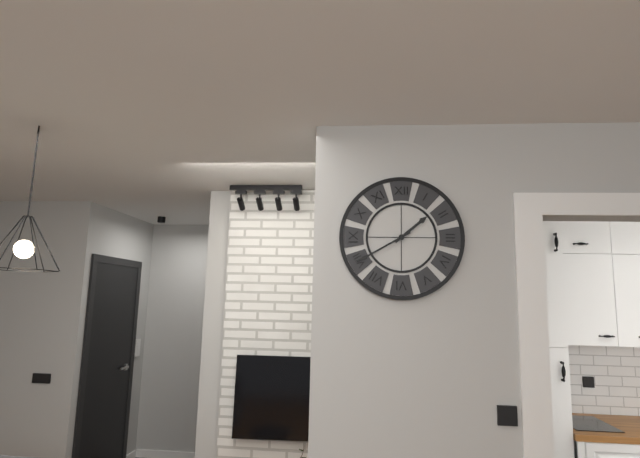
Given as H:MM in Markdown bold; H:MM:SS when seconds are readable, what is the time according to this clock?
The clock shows **1:40**
